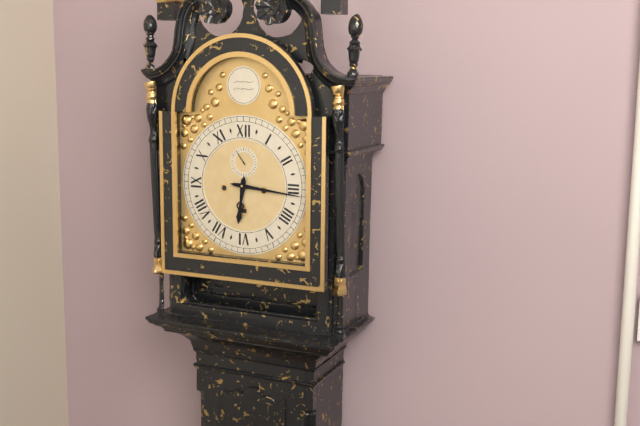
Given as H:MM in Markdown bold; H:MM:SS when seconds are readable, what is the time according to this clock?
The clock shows **6:16**
